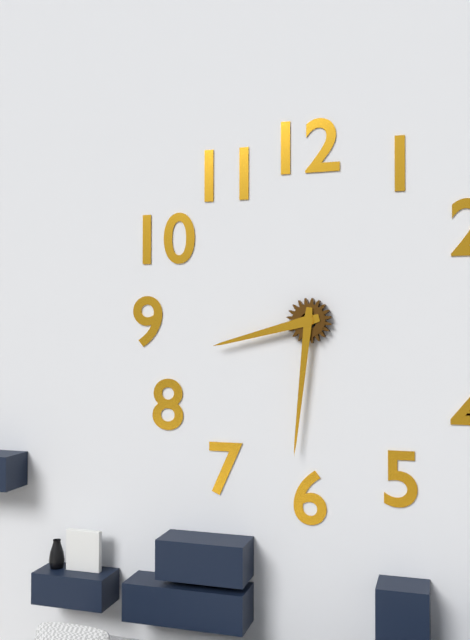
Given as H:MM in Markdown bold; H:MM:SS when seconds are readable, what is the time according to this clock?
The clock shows **8:31**
